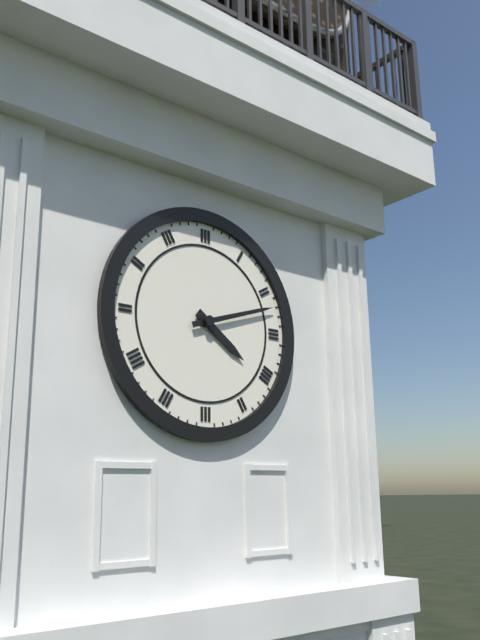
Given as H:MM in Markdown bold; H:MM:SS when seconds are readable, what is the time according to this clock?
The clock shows **4:12**
